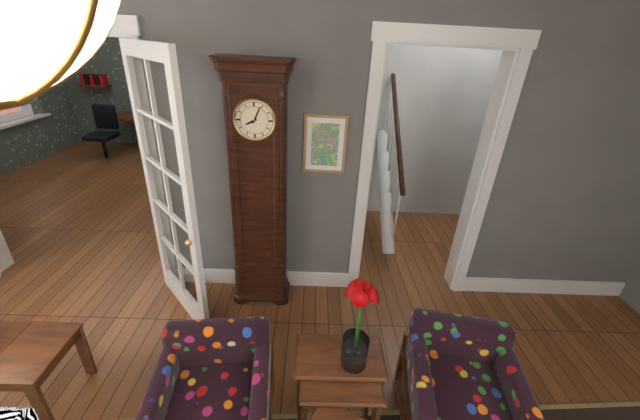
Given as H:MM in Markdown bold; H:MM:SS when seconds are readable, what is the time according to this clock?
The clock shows **8:04**
